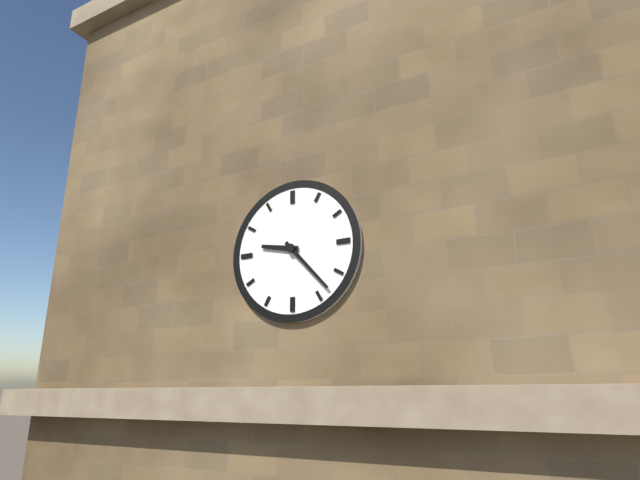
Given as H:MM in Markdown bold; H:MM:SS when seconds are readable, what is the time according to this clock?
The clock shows **9:23**
